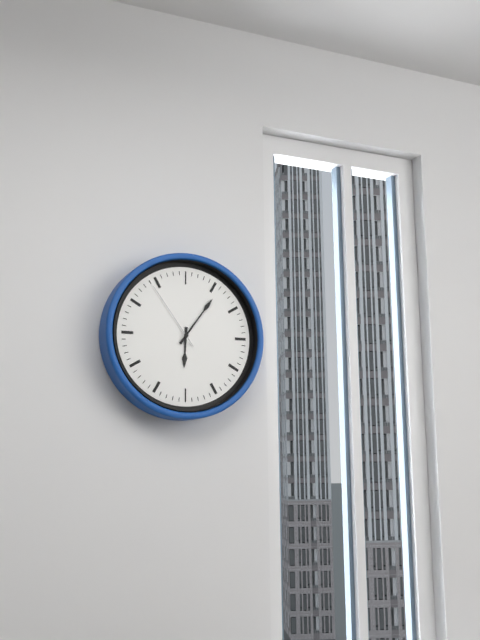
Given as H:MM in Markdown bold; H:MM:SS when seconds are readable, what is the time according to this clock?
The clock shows **6:06:54**
